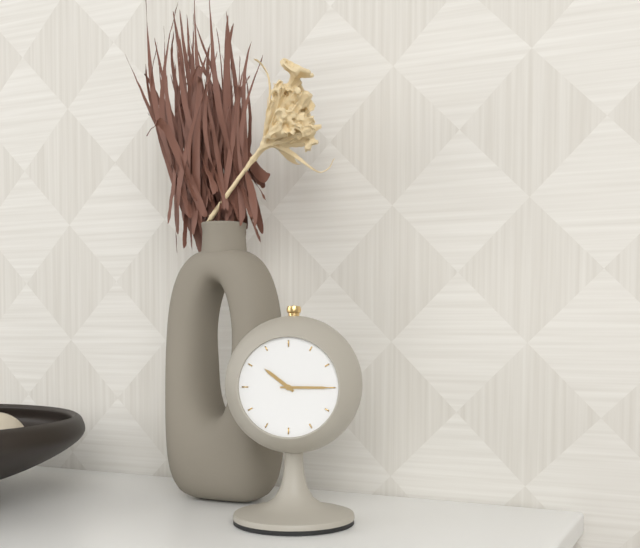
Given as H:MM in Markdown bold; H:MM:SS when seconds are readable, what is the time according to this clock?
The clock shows **10:15**
